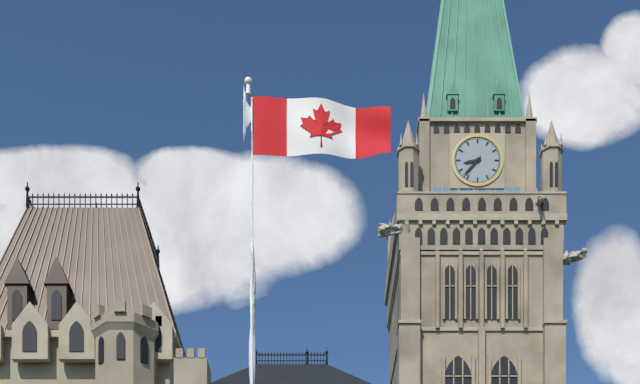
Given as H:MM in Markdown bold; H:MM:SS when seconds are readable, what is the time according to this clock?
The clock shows **8:37**
